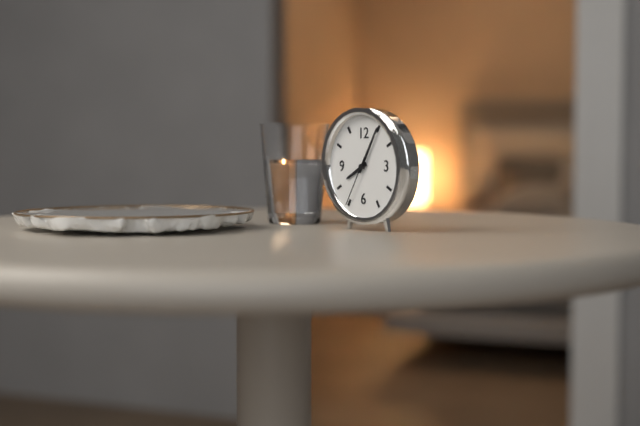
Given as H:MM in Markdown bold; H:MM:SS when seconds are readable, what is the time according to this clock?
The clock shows **8:05:35**
